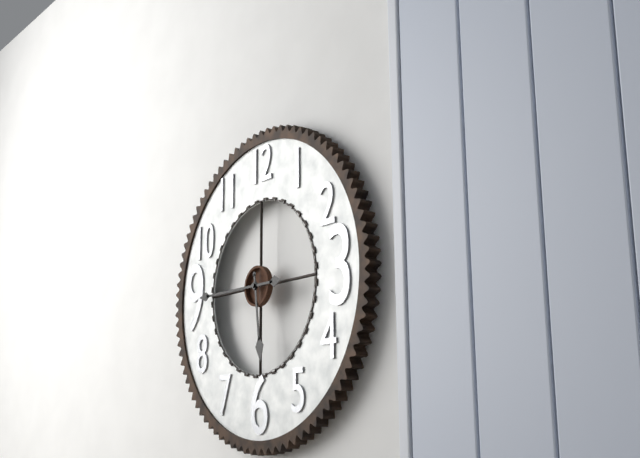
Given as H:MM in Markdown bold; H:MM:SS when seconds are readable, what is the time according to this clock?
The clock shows **5:45**
